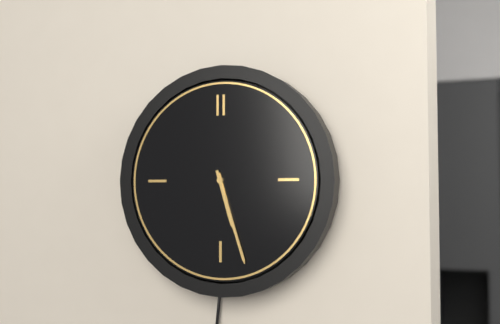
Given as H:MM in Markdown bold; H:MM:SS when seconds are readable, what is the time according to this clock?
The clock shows **5:27**
